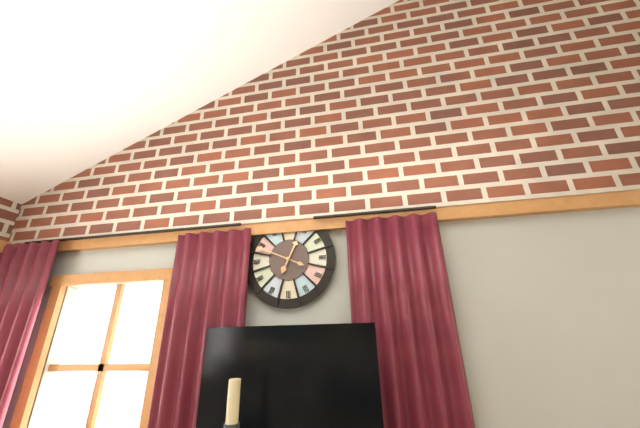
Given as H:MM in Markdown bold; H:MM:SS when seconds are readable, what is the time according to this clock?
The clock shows **12:49**
